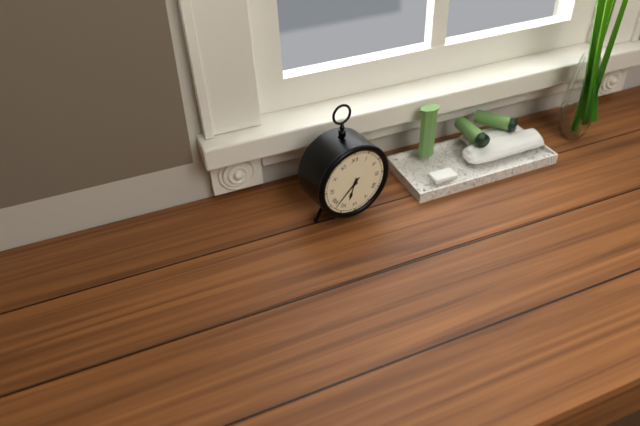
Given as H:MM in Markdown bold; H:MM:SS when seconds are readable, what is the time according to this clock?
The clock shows **6:38**
